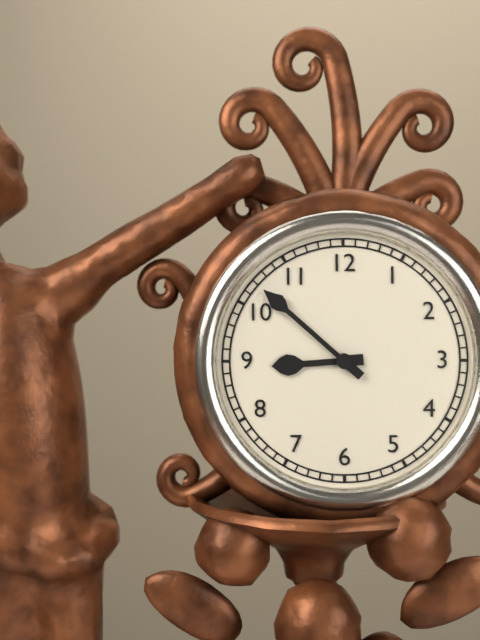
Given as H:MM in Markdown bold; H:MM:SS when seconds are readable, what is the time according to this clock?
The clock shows **8:52**
